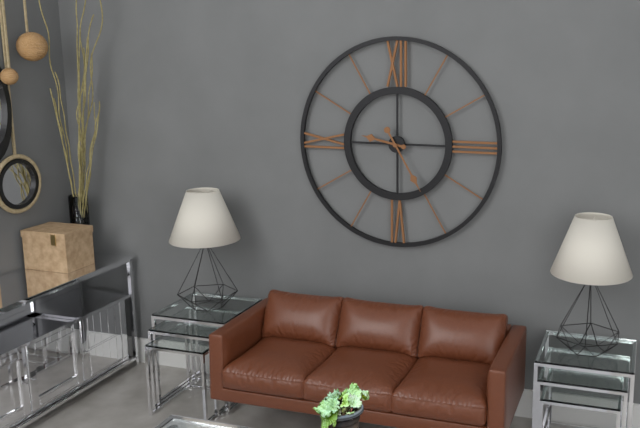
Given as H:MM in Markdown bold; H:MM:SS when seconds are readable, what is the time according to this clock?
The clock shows **9:25**
